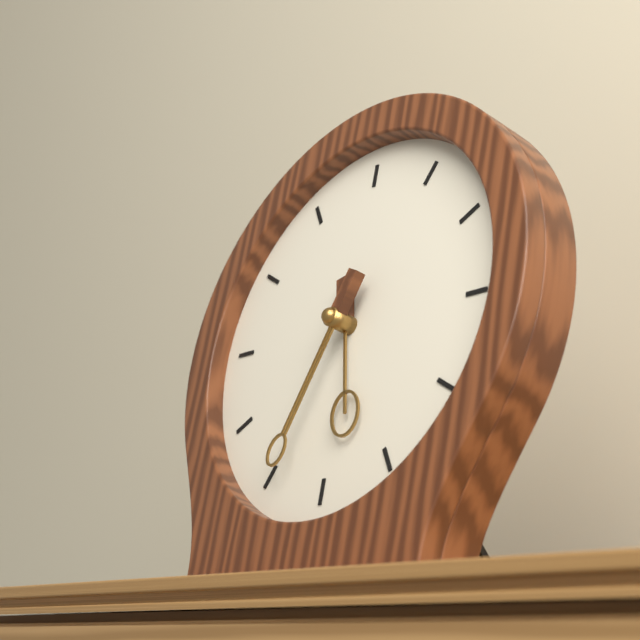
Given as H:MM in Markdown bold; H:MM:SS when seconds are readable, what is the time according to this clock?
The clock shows **5:34**
